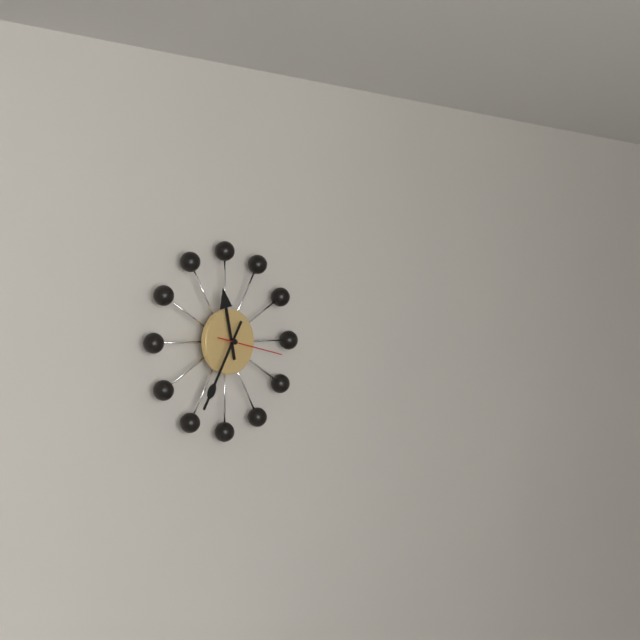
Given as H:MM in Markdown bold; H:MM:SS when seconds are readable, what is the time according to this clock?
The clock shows **11:35:17**
